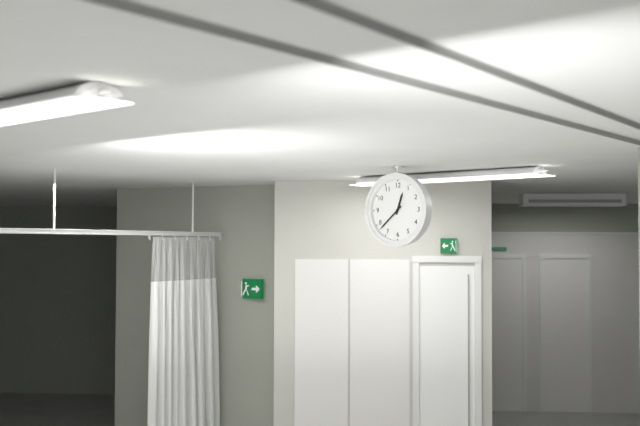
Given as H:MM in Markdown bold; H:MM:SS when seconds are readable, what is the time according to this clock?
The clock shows **12:38**
